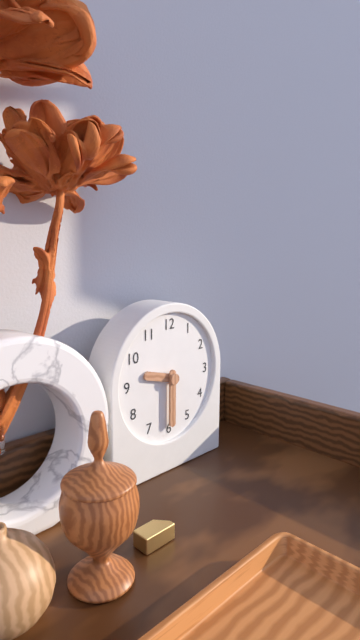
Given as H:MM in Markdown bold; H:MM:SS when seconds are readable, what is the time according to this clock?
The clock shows **9:30**
